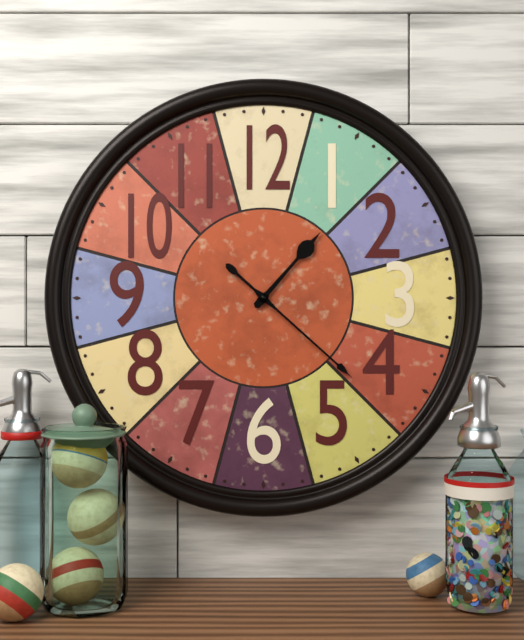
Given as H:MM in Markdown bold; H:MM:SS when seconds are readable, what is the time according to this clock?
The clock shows **1:22**
